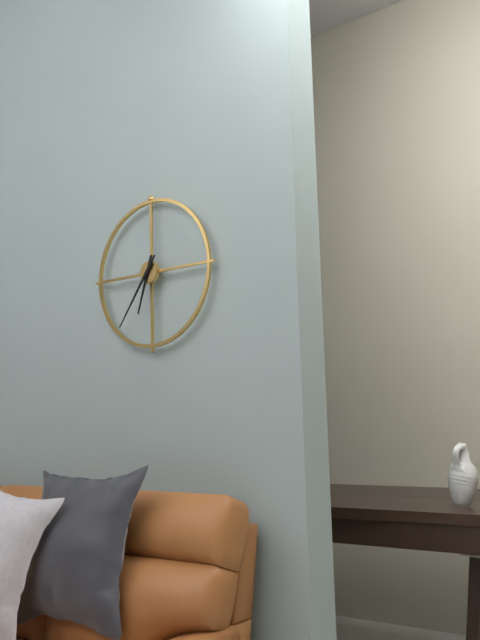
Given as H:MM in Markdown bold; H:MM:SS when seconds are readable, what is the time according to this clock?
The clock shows **6:36**
